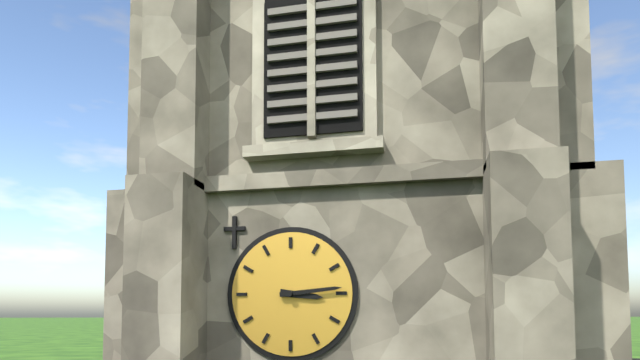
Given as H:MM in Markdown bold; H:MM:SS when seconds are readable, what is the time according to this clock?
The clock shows **3:14**
